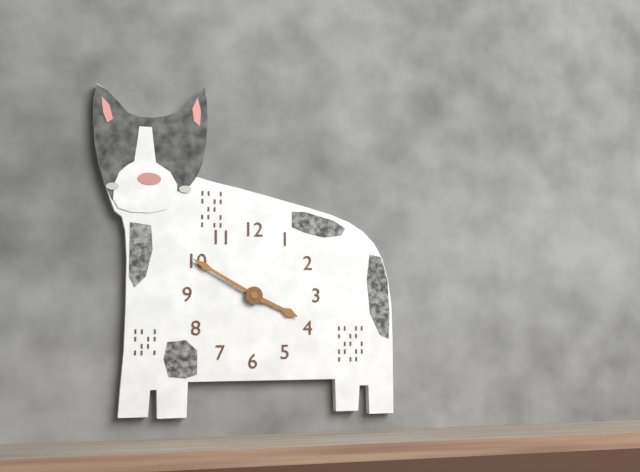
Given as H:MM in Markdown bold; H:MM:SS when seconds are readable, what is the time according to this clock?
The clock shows **3:50**
